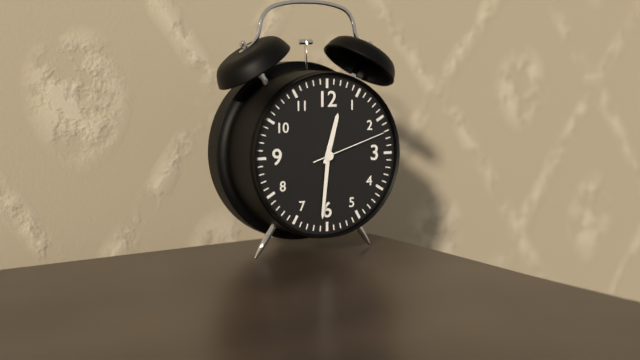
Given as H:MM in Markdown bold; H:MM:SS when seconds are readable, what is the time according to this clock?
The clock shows **12:31:12**
